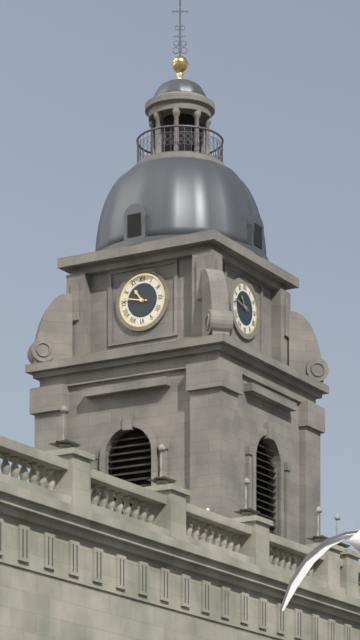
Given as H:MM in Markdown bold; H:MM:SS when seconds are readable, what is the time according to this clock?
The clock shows **10:47**
